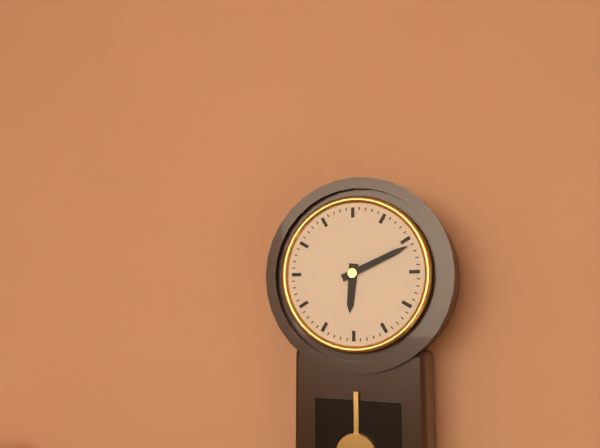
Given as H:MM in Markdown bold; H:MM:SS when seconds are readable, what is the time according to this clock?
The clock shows **6:11**
